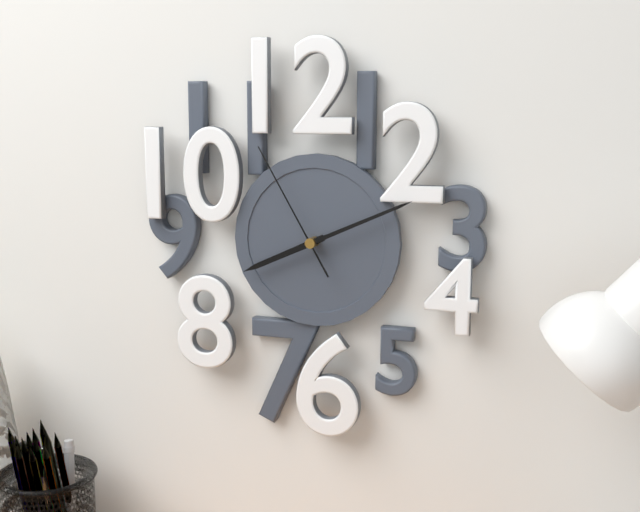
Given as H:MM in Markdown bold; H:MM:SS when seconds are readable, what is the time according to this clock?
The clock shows **8:11:55**
